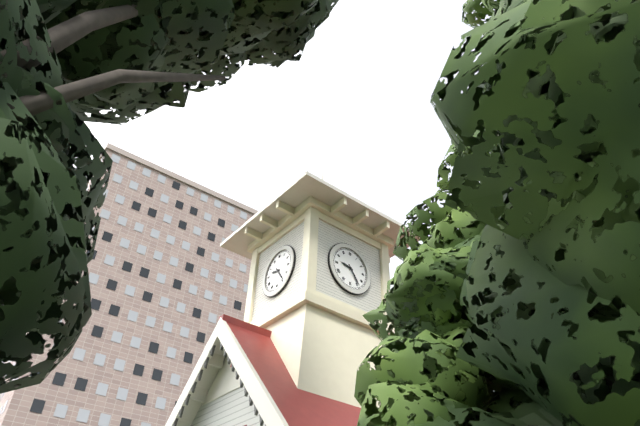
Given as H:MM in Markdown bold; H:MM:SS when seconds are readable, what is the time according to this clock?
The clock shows **9:24**
